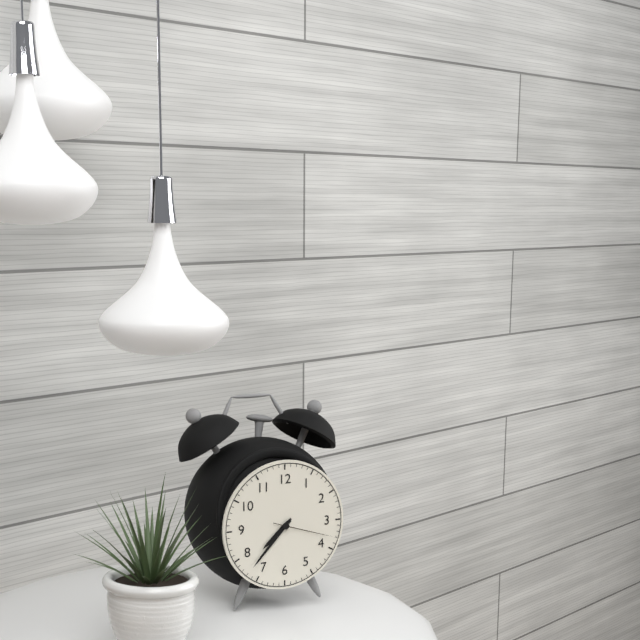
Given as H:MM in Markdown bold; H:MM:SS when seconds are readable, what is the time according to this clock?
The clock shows **7:37:18**
